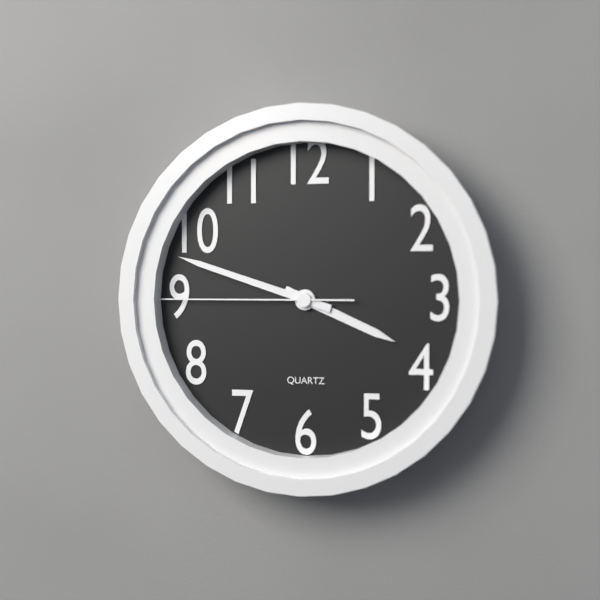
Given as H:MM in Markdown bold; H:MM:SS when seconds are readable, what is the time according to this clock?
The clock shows **3:48:45**
